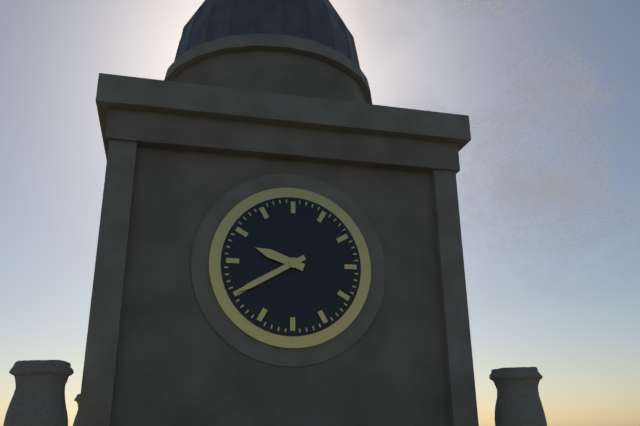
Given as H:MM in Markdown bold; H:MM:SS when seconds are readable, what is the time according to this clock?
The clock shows **9:40**
